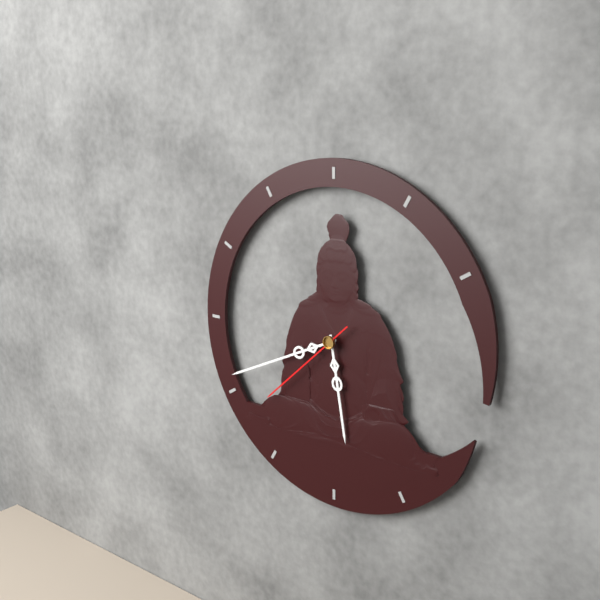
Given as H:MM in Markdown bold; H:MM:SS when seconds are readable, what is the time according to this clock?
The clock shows **5:41:38**
